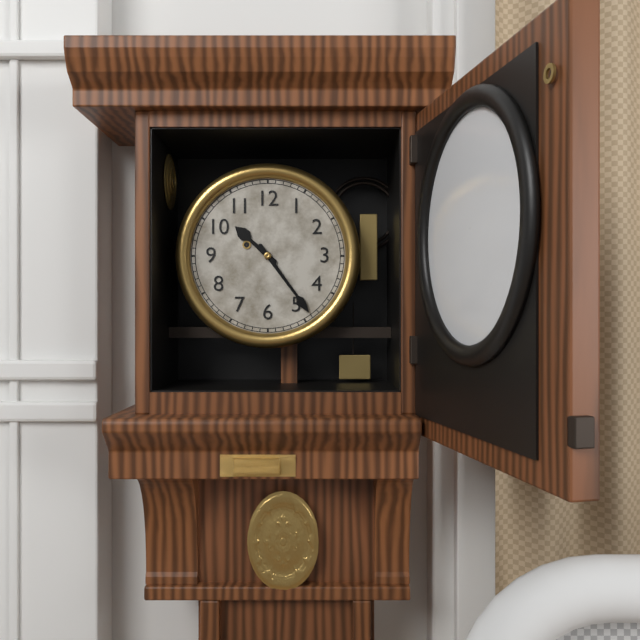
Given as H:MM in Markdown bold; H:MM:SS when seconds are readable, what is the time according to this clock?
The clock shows **10:24**
